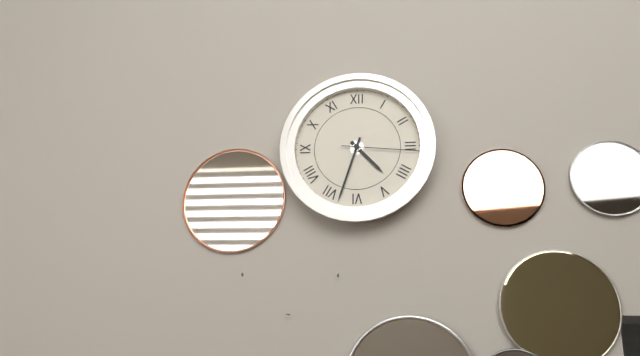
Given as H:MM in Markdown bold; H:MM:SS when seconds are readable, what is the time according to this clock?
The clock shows **4:33:16**
